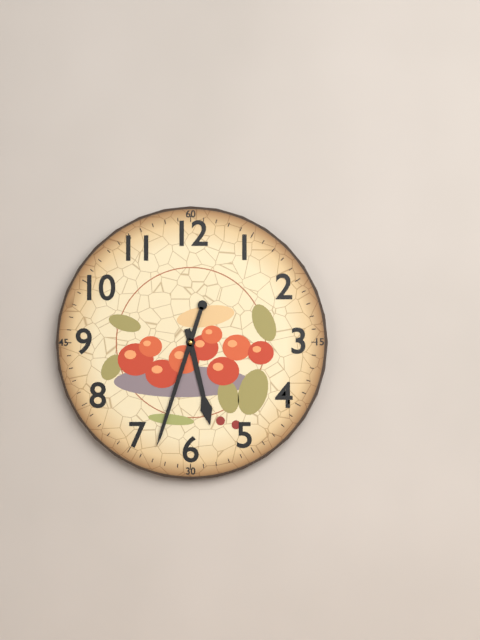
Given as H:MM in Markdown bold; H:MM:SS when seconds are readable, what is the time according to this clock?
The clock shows **5:33**
